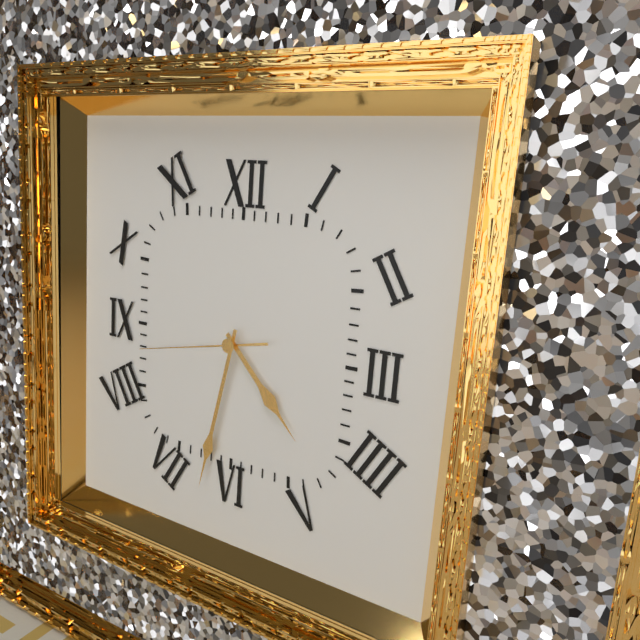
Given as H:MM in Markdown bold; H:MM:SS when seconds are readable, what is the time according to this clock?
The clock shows **4:32:43**
